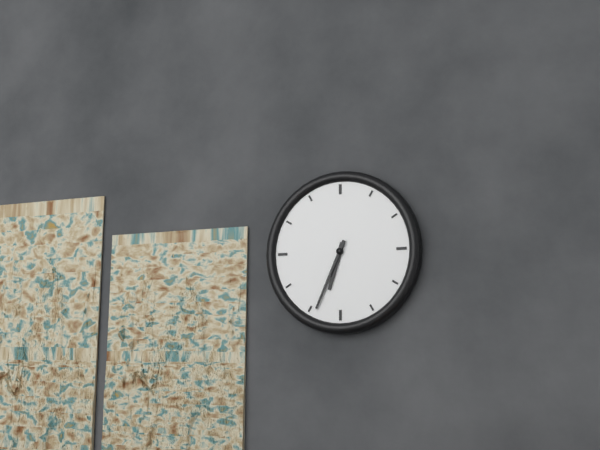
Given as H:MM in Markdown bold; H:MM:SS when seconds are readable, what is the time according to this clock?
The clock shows **6:34**
